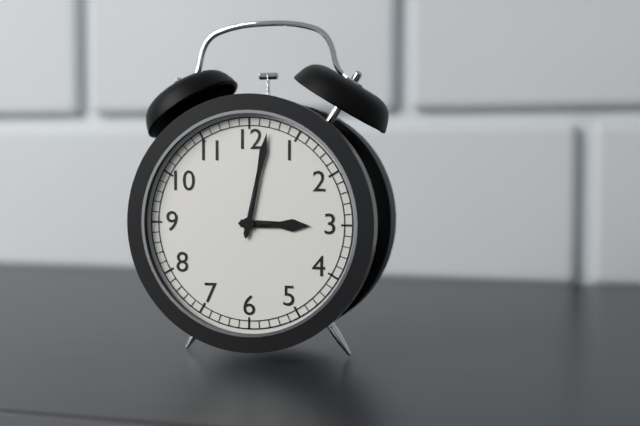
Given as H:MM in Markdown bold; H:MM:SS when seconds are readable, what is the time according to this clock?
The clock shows **3:02**
